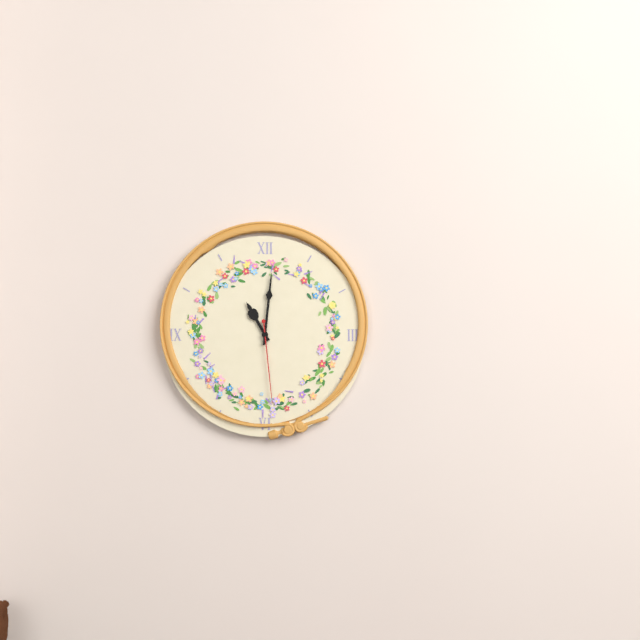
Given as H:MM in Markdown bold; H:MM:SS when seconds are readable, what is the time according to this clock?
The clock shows **11:01:29**
